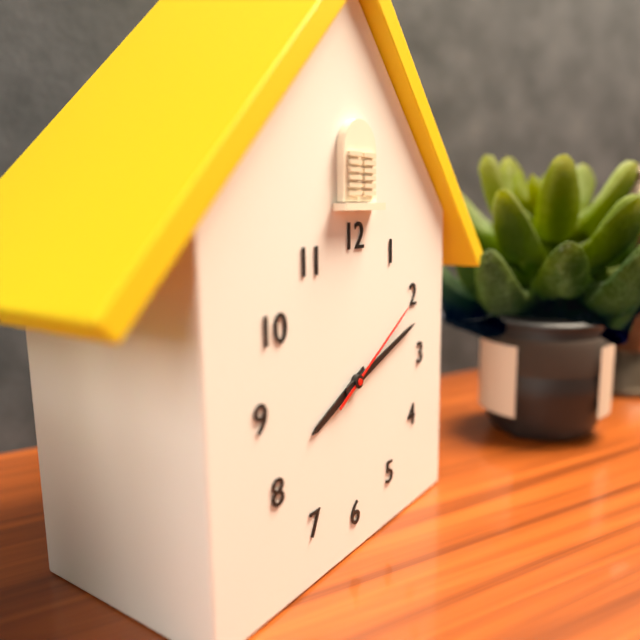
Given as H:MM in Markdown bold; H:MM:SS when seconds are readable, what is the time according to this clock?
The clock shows **8:12:10**
